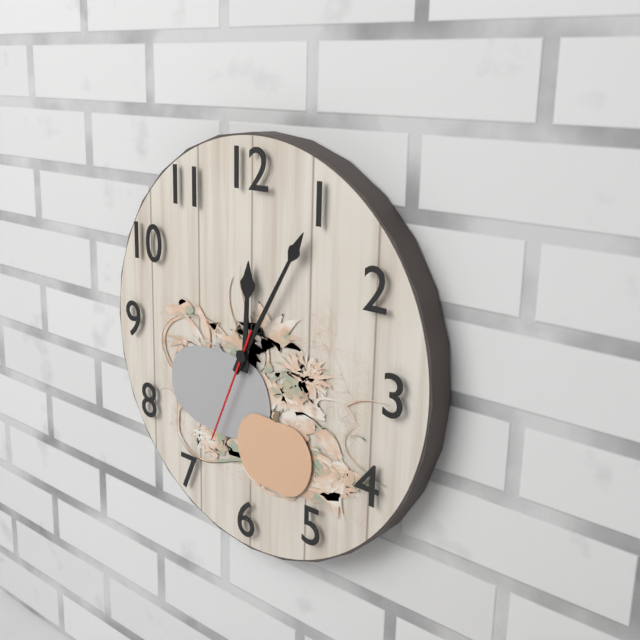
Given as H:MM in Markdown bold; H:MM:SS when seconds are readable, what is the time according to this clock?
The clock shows **12:05:34**
